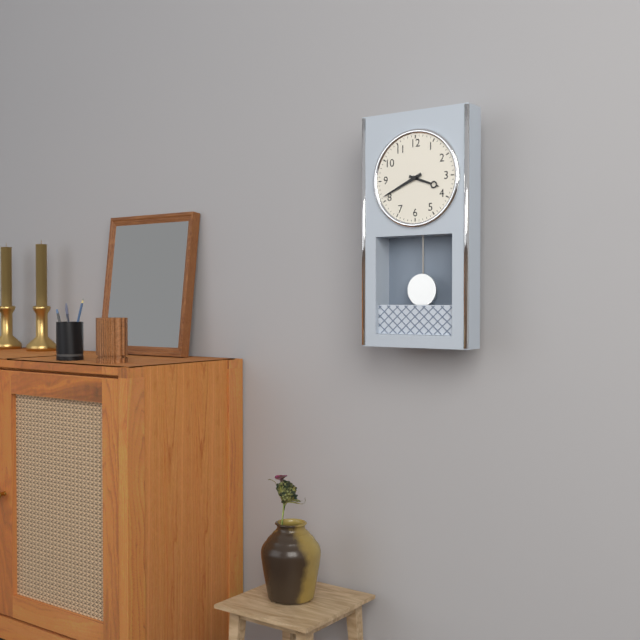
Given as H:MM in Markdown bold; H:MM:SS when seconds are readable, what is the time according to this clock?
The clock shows **3:41**
